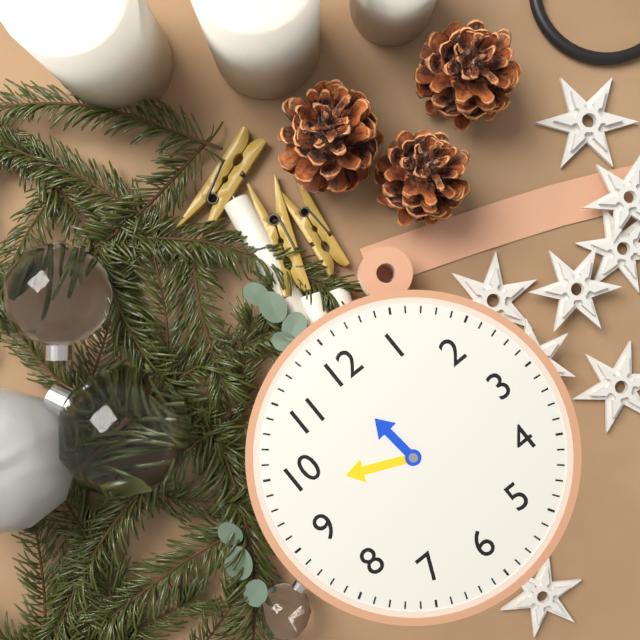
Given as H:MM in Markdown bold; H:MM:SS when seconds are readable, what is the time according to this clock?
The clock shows **11:49**
